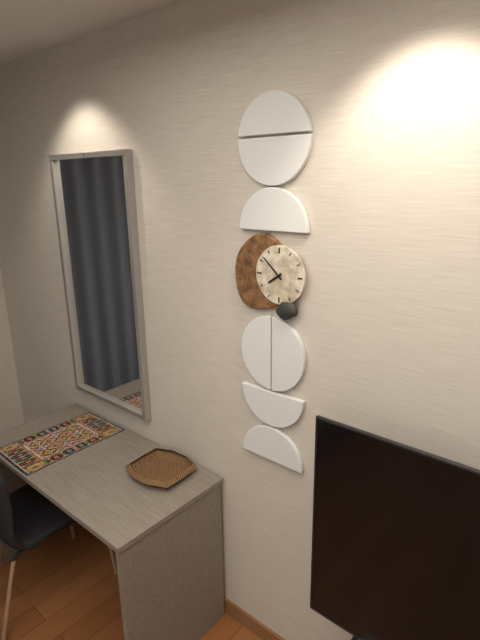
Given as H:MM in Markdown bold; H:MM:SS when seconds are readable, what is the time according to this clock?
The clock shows **7:52**
